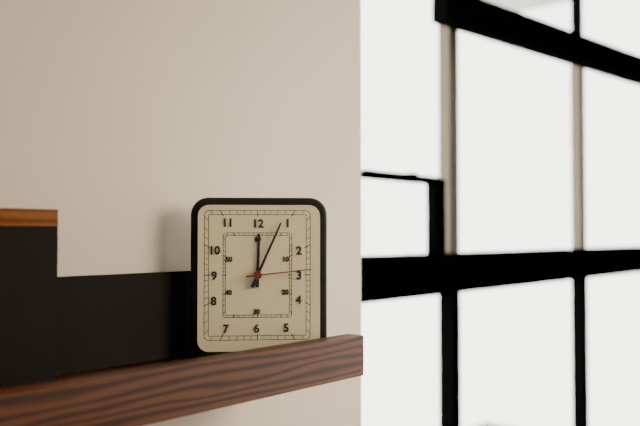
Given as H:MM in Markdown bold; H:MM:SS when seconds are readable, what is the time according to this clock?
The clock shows **12:04:14**
